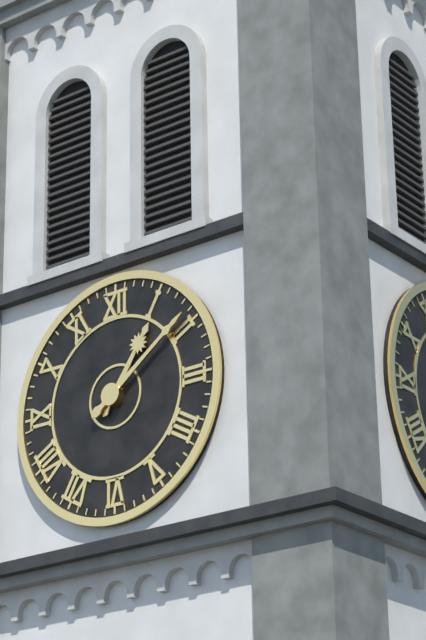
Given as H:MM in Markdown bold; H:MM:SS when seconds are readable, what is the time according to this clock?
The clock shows **1:09**
